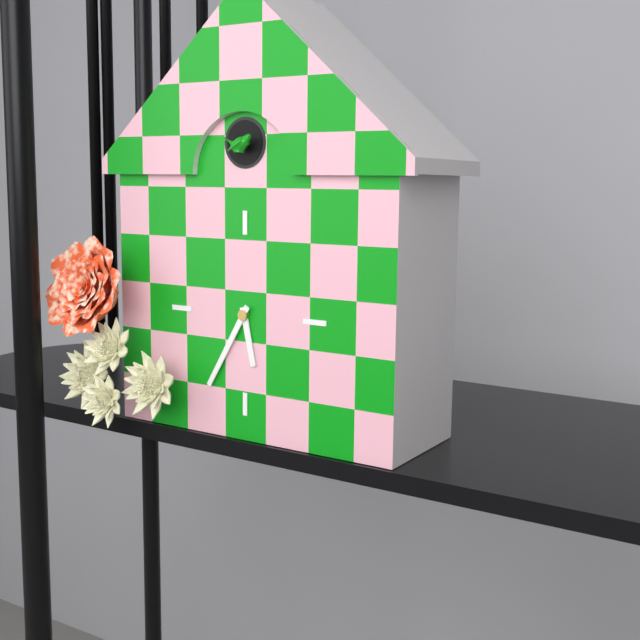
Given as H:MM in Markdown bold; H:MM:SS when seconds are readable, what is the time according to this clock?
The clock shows **5:35**
